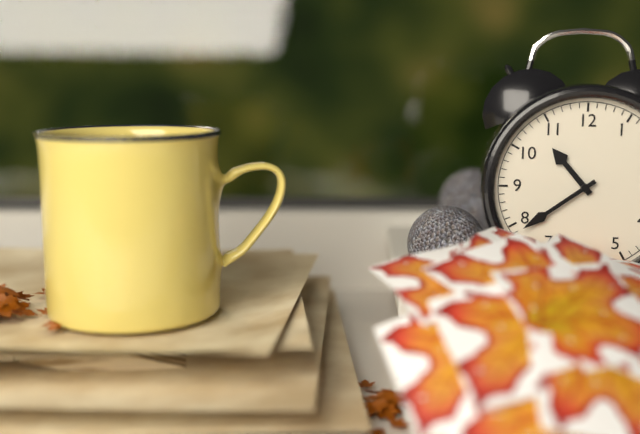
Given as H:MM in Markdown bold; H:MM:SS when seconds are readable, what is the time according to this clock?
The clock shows **10:39**
